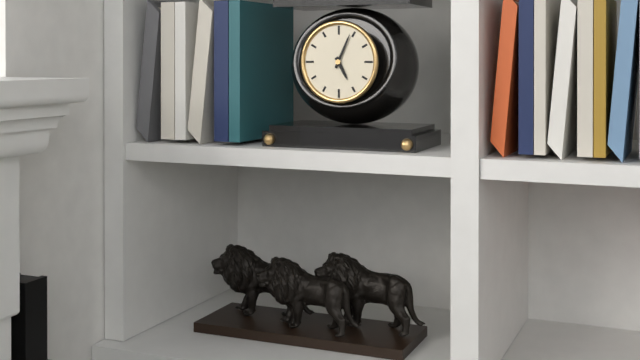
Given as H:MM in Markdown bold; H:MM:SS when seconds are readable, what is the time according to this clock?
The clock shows **5:04**
